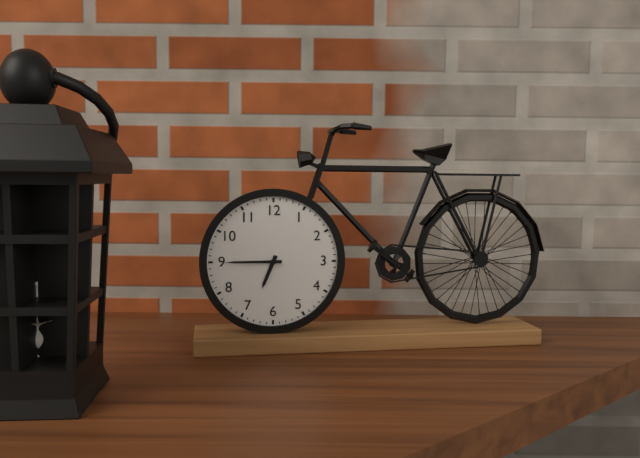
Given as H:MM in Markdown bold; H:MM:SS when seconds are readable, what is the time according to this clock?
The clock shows **6:45**
